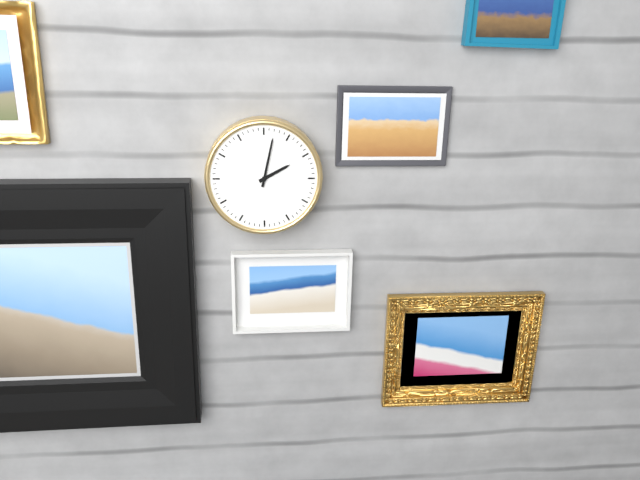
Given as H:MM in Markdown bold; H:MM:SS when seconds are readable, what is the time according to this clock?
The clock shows **2:02**
